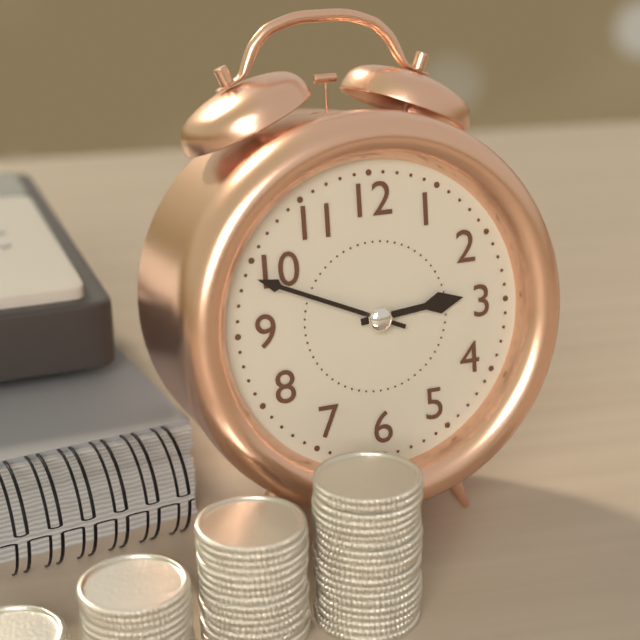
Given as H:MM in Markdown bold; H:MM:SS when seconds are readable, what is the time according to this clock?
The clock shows **2:49**
